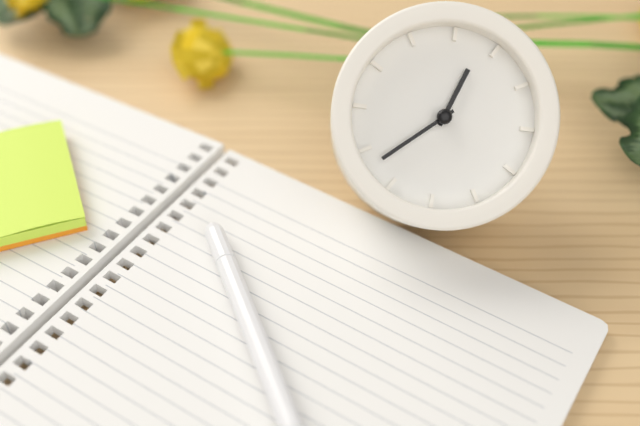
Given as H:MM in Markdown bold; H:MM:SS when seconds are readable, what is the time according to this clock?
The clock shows **12:38**
